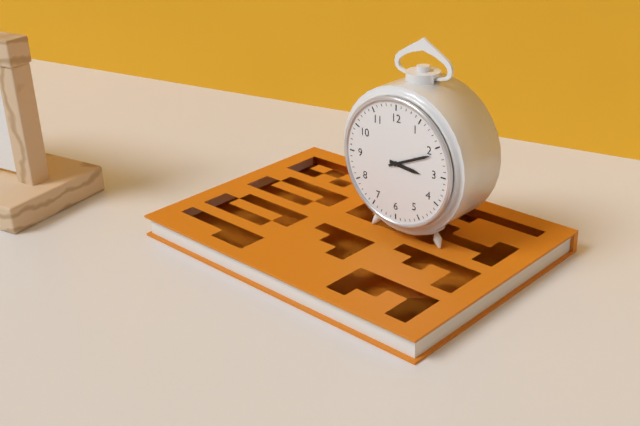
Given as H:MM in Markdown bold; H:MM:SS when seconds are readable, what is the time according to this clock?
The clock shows **3:11**
